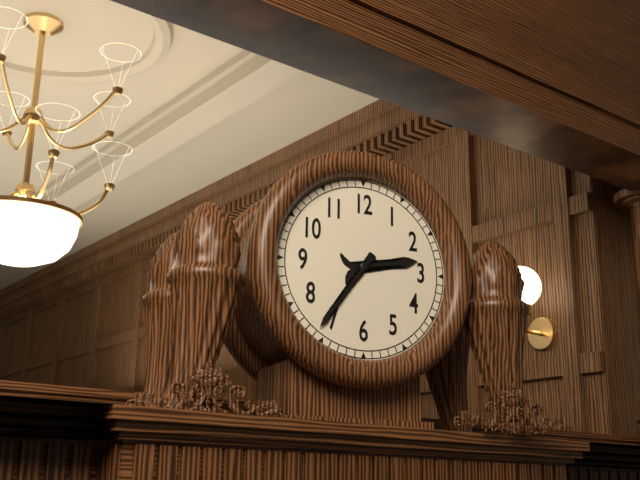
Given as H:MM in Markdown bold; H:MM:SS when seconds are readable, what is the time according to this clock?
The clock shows **2:36**
